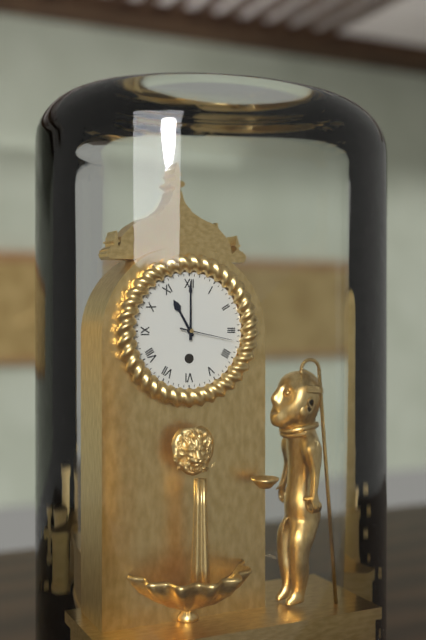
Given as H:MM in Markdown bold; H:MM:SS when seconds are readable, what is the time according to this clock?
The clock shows **11:00:17**
